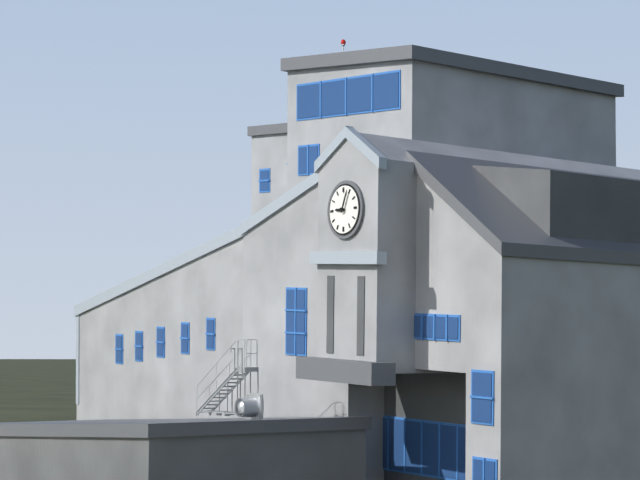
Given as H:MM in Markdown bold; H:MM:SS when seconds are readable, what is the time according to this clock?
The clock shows **9:04**
